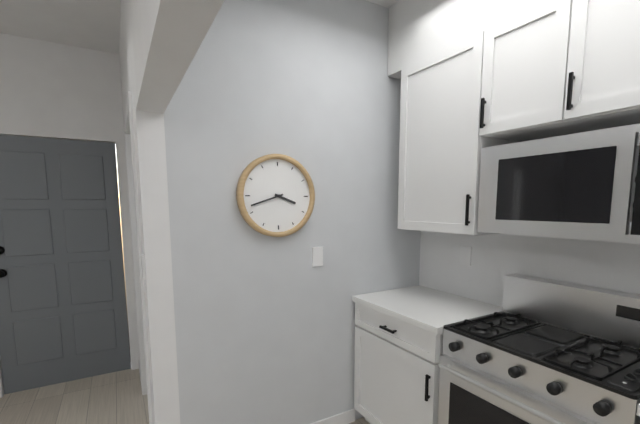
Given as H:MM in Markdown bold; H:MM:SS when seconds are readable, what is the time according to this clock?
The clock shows **3:42**
